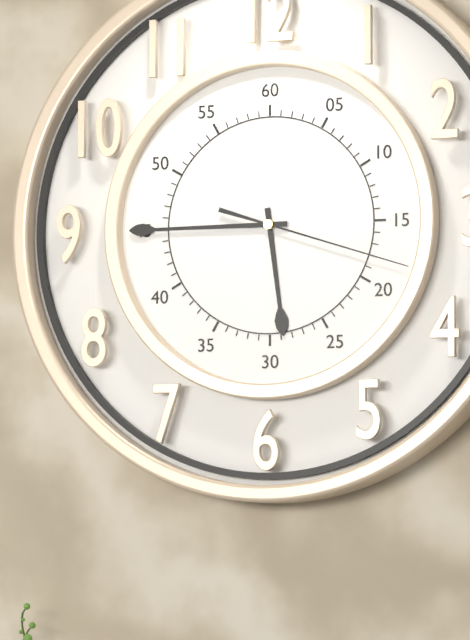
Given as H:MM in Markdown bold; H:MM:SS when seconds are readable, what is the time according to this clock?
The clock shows **5:45:18**
